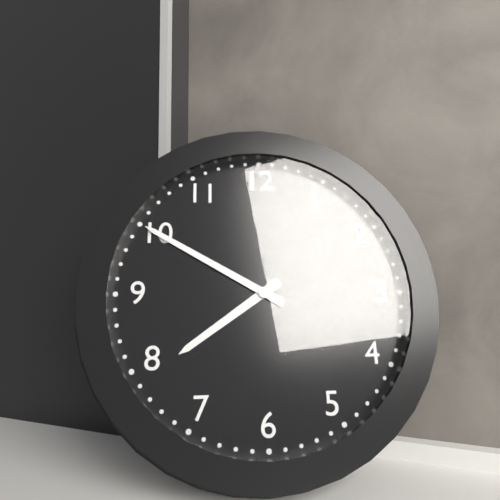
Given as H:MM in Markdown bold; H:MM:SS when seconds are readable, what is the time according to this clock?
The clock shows **7:50**
